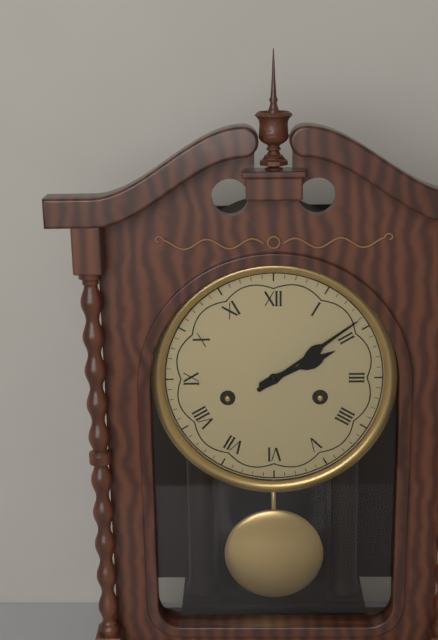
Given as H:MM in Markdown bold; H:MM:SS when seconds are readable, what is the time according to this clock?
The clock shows **2:09**
